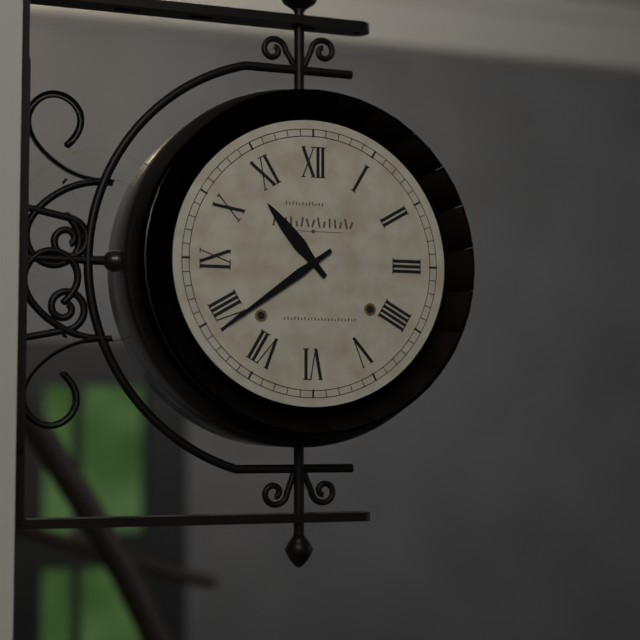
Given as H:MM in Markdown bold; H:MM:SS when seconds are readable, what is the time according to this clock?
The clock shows **10:39**
